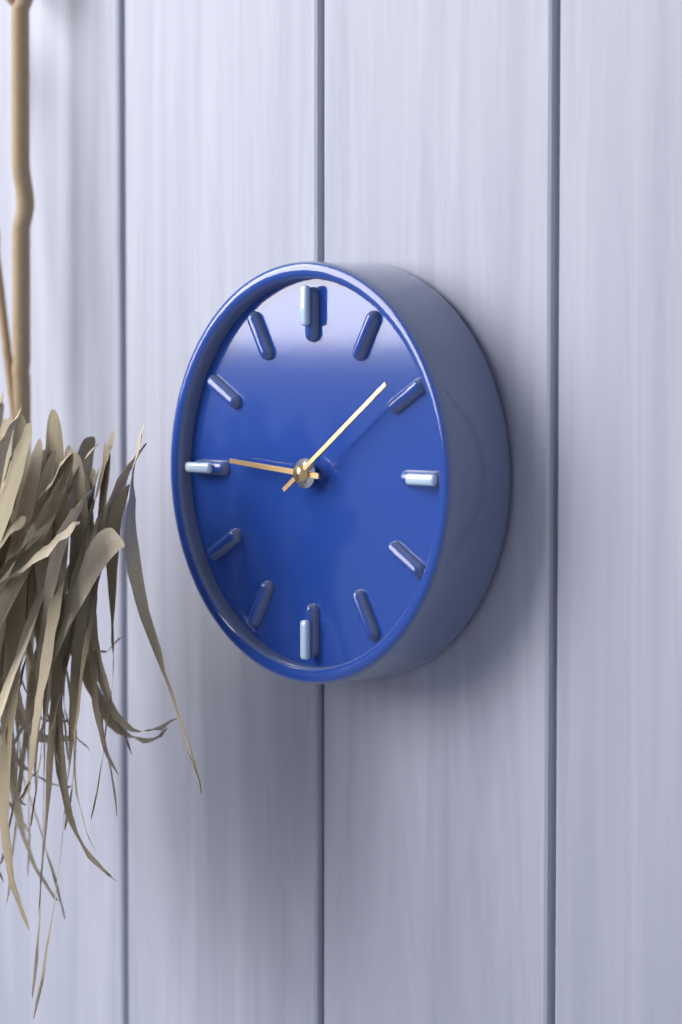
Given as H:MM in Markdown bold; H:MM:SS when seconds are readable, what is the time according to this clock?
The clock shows **9:09**
